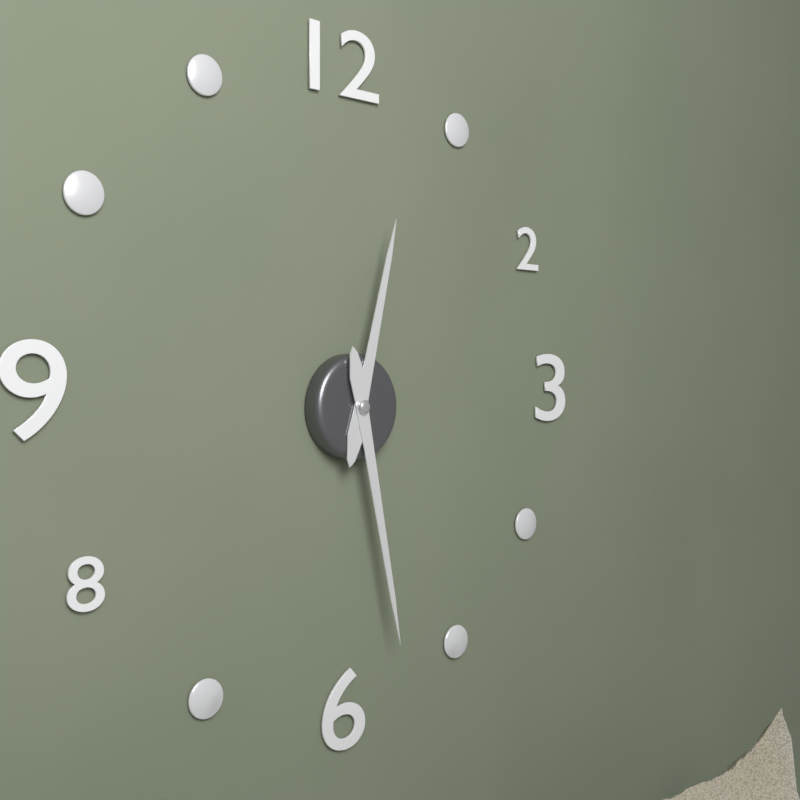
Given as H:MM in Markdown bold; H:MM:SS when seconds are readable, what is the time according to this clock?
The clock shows **12:28**
